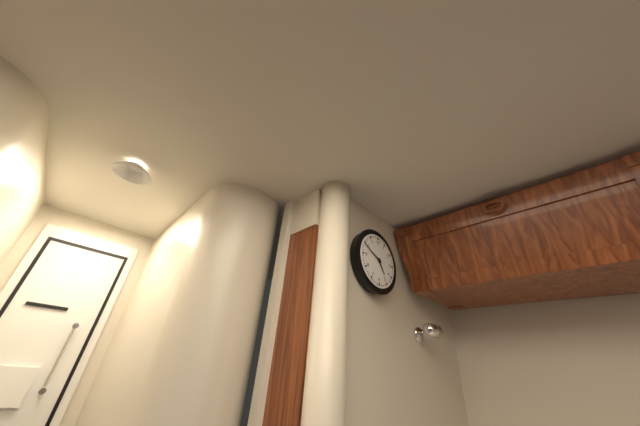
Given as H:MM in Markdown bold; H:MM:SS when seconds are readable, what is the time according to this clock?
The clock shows **4:49**
